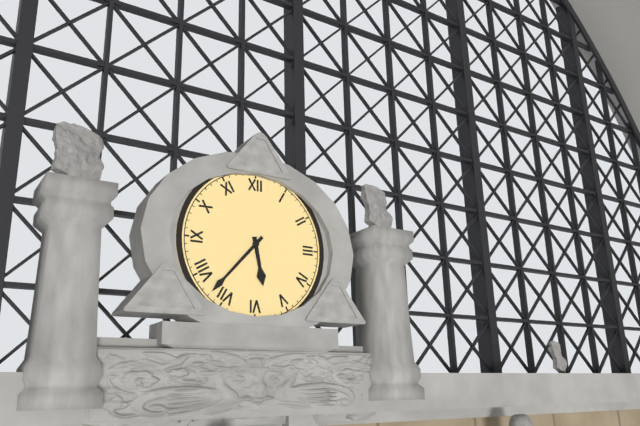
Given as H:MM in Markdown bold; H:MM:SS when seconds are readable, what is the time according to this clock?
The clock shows **5:37**
